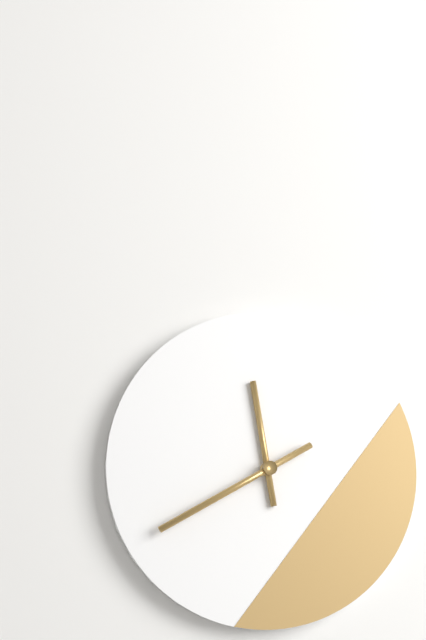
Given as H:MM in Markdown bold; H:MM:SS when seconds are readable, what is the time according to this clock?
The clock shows **11:40**
